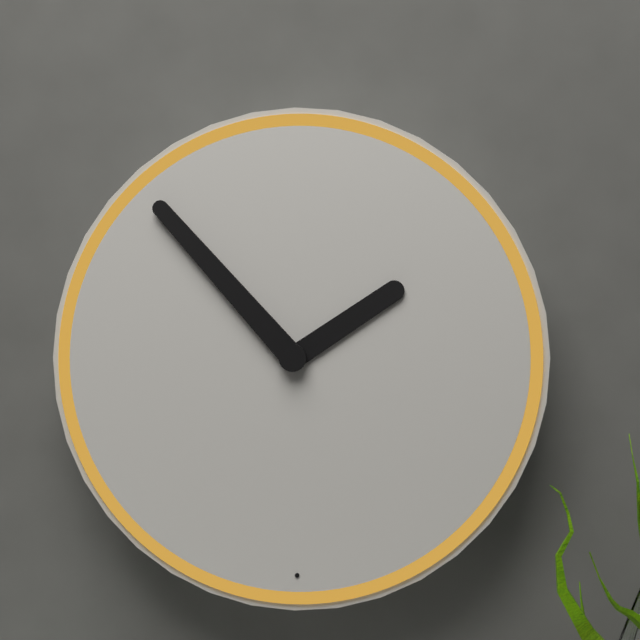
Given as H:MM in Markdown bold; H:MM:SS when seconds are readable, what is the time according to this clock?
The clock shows **1:53**
